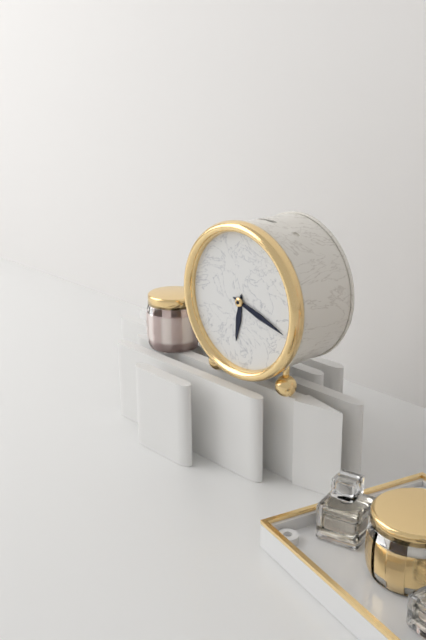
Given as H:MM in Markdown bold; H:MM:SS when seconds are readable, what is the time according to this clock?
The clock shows **6:18**
